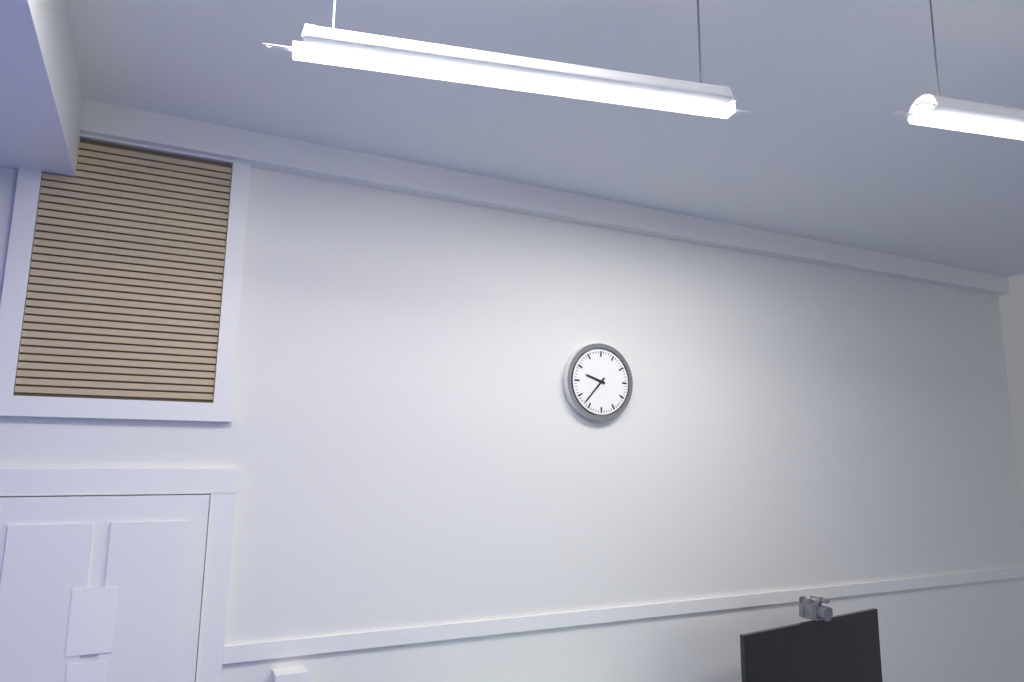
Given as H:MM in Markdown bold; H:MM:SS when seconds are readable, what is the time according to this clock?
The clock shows **9:37**
